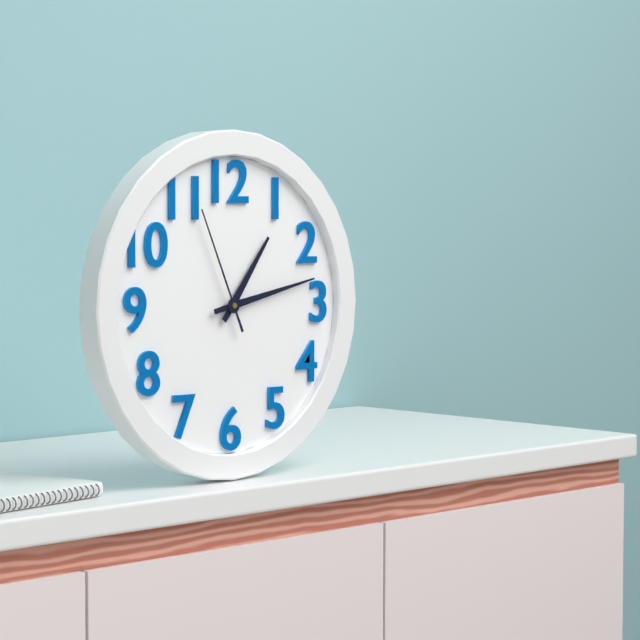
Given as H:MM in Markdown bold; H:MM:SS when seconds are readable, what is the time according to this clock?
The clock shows **1:13:56**
